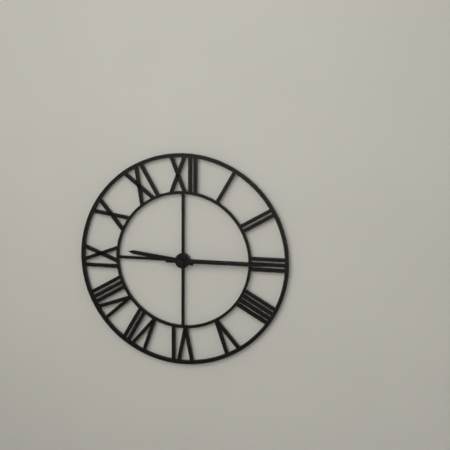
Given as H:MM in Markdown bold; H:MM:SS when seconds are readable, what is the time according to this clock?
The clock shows **9:15**
